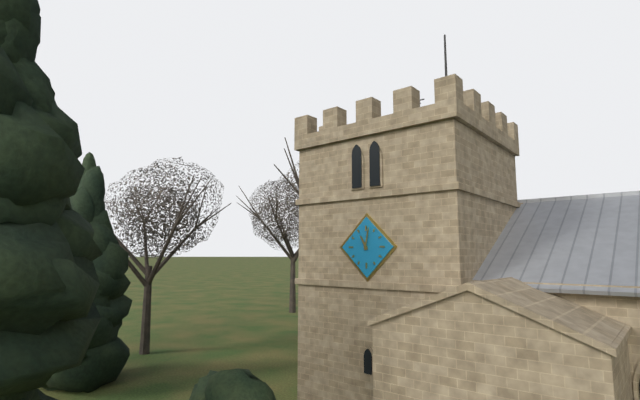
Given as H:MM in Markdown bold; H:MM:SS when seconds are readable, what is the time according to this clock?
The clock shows **11:02**
